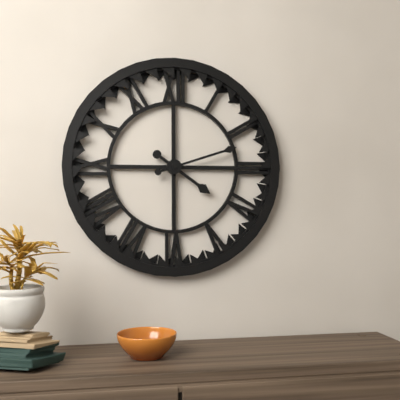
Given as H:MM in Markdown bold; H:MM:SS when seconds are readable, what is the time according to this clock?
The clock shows **4:12**
